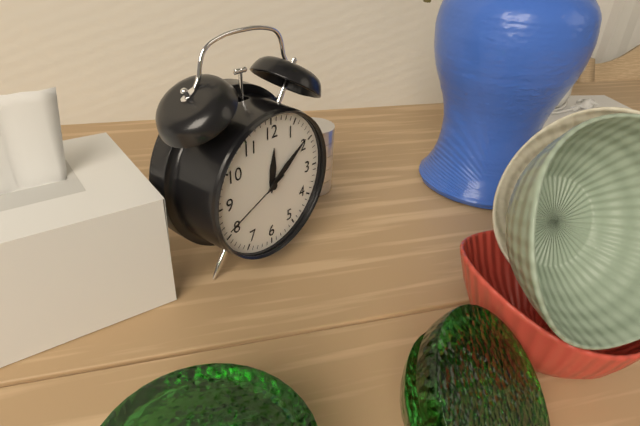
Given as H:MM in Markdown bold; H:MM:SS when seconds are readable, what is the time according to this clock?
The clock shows **12:09:41**
